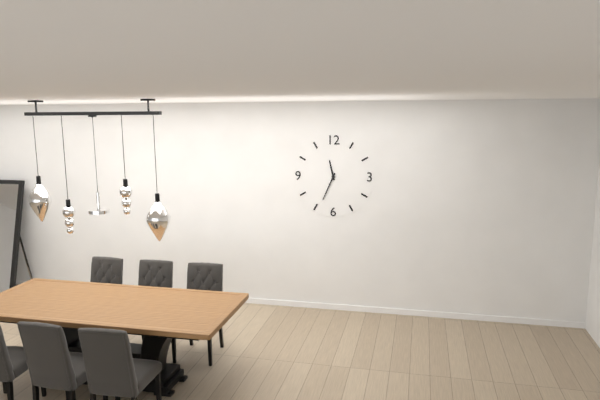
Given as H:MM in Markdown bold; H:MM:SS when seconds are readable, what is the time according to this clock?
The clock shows **11:34**
